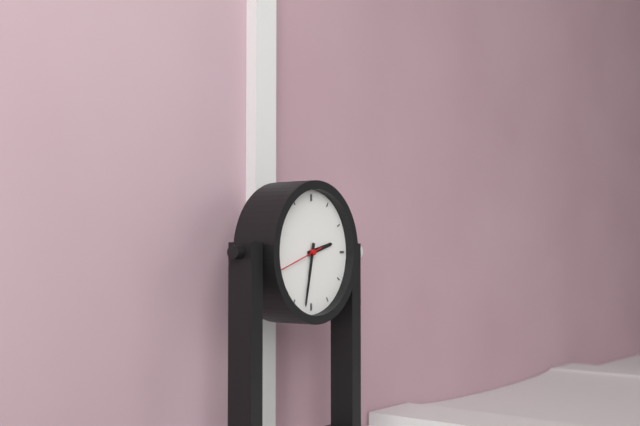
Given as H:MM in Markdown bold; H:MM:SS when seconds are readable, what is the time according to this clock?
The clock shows **2:32**
